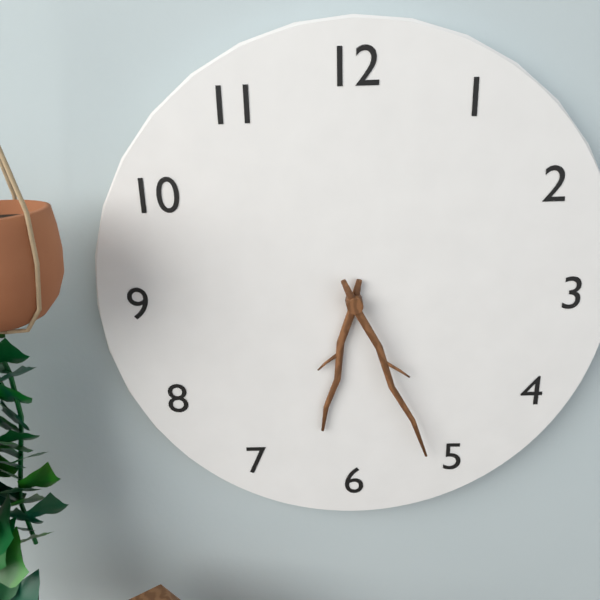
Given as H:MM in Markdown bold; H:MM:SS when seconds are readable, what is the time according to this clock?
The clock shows **6:26**
